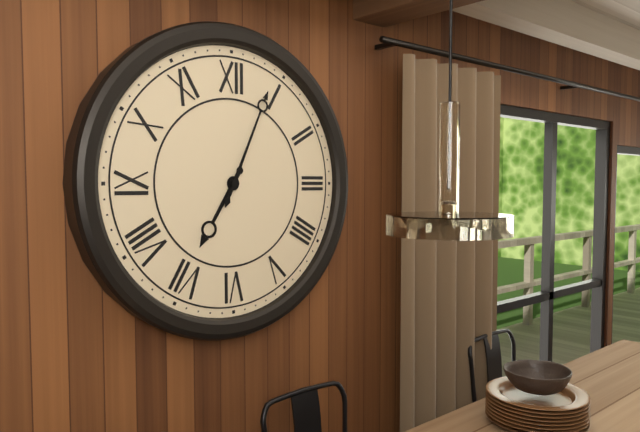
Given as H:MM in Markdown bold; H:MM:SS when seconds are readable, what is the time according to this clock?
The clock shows **7:04**
